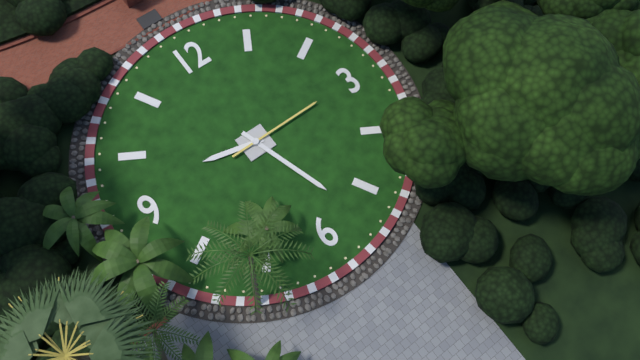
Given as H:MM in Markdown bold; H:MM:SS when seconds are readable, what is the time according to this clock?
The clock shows **9:27:15**
